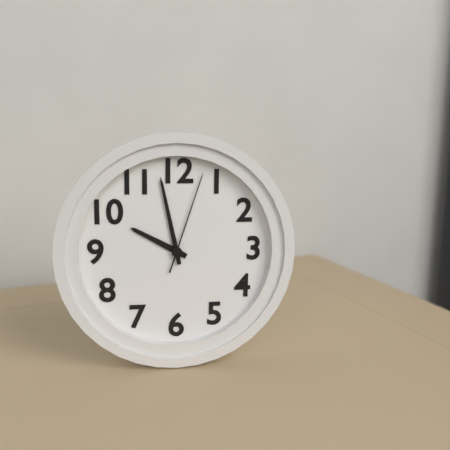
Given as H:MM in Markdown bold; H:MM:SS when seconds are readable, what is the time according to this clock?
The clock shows **9:58:03**
